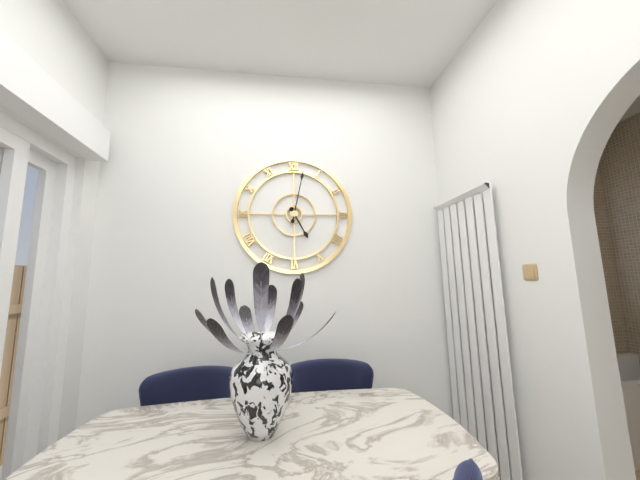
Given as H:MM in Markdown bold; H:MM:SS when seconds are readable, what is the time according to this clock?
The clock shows **5:02**
